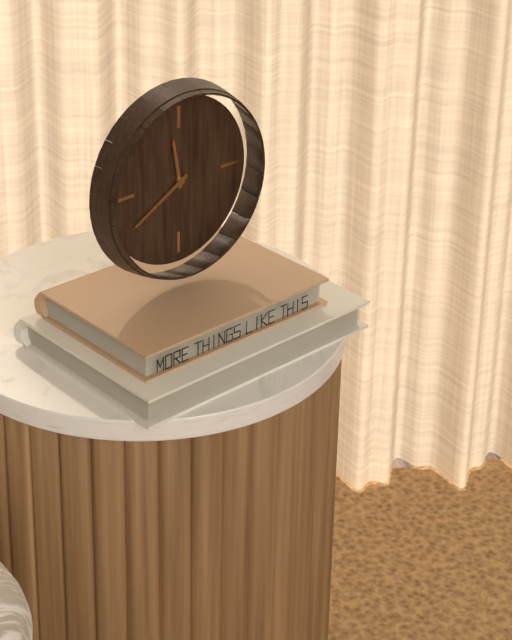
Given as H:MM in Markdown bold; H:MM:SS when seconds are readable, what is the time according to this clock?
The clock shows **11:40**
